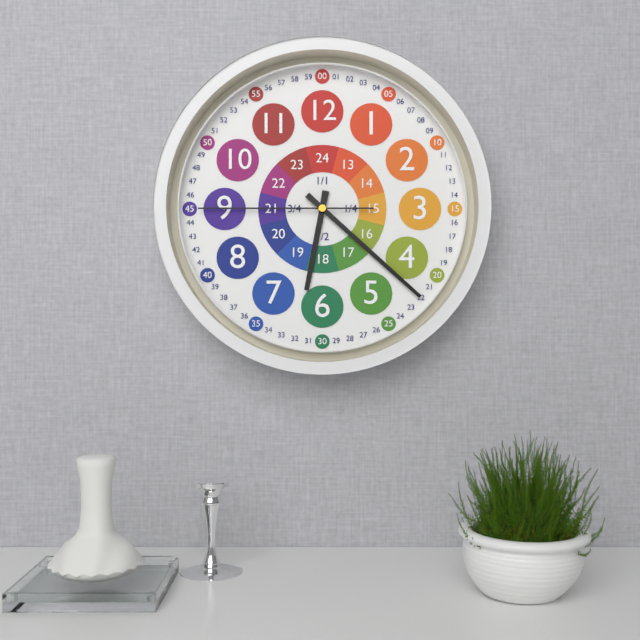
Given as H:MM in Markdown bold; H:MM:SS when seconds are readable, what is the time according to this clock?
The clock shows **6:22:45**
